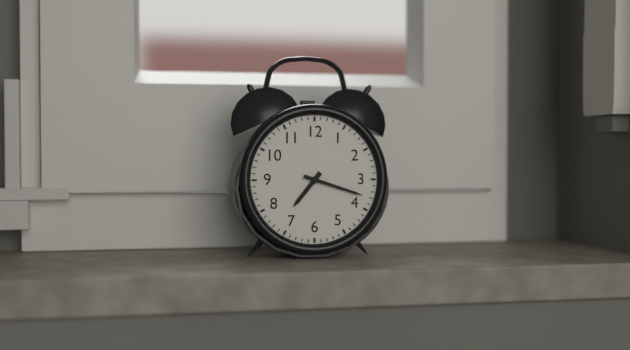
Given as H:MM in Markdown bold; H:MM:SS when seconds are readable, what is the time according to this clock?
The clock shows **7:18**
